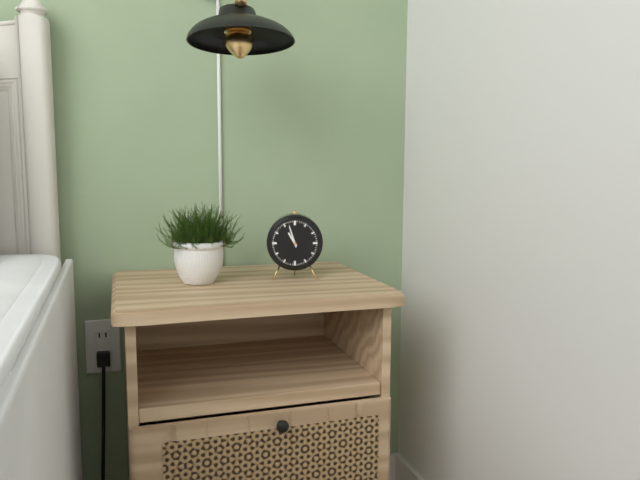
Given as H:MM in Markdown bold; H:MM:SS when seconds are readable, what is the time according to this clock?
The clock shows **10:57**
